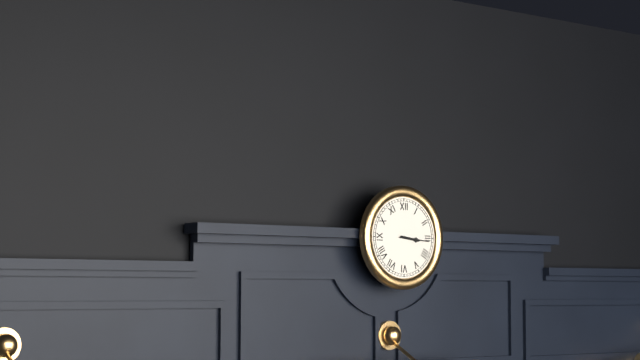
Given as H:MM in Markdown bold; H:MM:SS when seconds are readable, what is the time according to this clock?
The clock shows **3:16**
